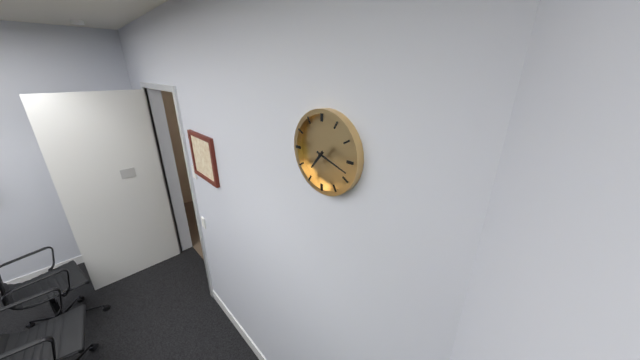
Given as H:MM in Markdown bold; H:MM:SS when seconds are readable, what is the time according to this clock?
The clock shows **7:18**
